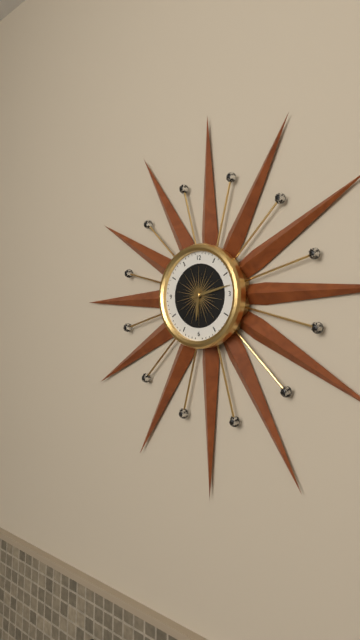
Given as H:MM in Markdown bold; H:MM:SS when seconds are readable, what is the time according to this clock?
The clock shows **6:13**
